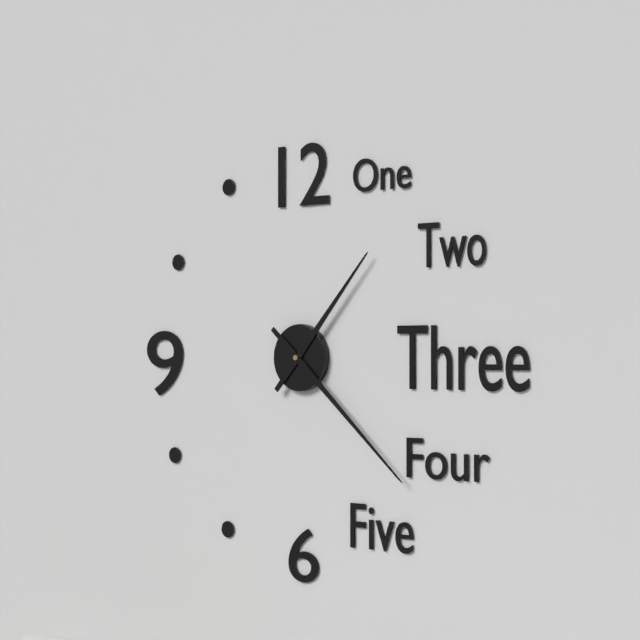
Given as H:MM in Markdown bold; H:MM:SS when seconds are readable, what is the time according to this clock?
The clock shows **1:22**
